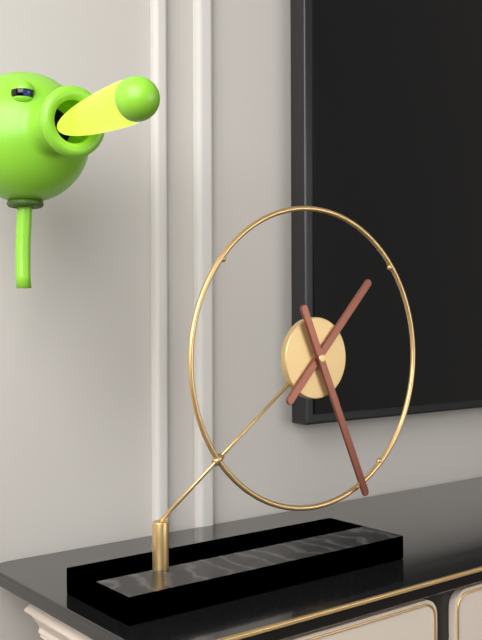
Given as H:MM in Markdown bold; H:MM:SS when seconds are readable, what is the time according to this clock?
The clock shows **1:26**
